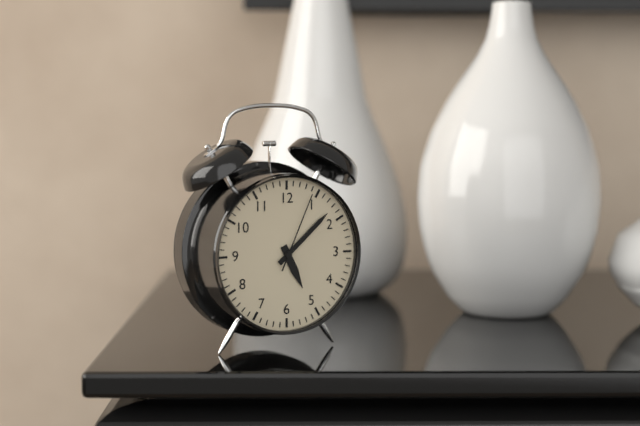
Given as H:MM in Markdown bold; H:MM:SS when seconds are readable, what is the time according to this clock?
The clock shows **5:08:04**
